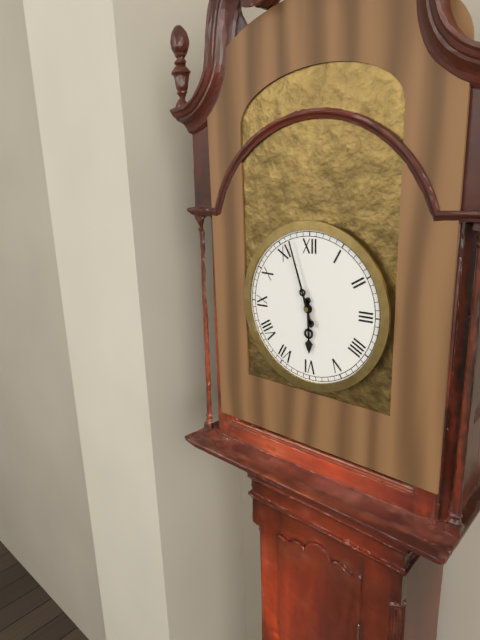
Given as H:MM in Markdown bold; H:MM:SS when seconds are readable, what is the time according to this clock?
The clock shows **5:57**
